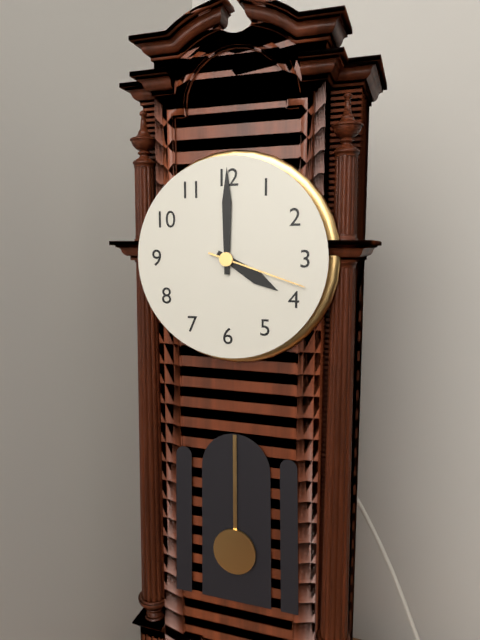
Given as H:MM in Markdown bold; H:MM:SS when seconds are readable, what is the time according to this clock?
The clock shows **4:00:18**
